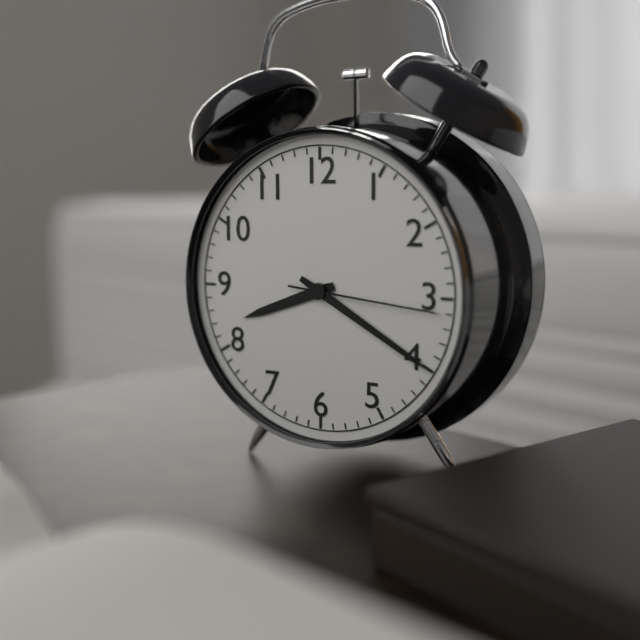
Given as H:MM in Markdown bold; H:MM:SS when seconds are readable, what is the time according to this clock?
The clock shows **8:20:16**
